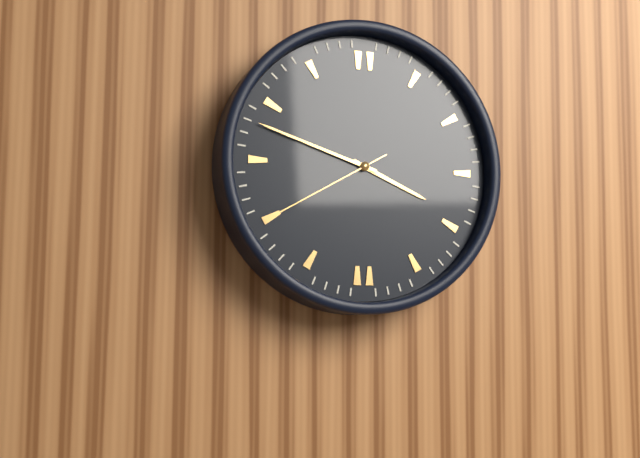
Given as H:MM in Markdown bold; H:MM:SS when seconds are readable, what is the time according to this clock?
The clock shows **3:48:40**
